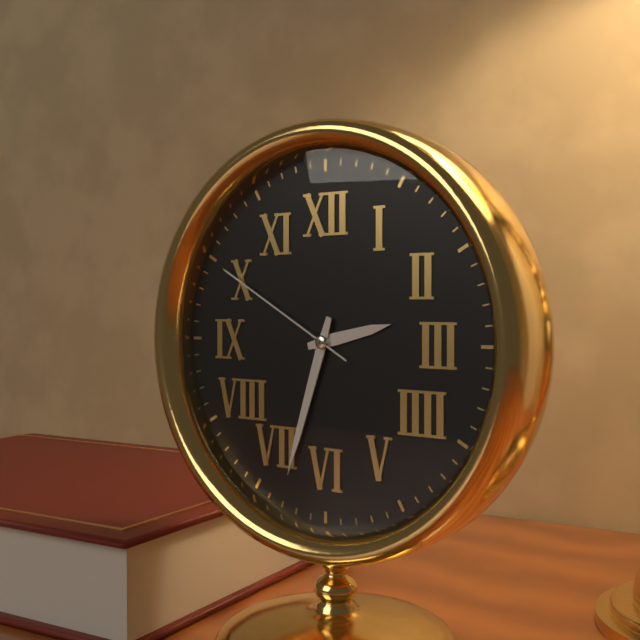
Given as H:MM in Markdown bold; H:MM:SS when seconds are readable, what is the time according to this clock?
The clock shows **2:33:50**
